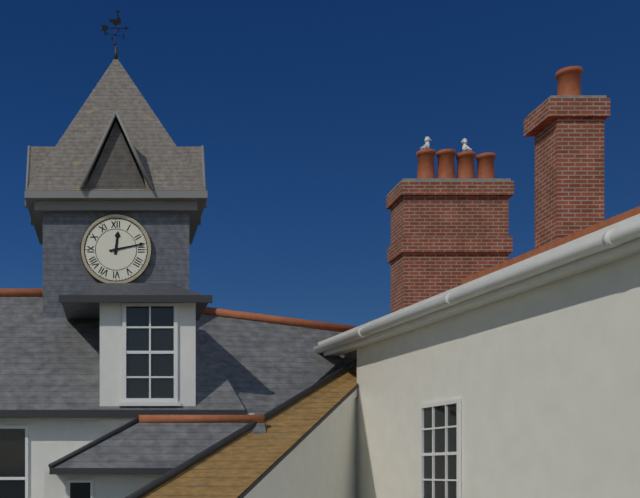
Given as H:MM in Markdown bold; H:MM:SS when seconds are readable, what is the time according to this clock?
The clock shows **12:13**
